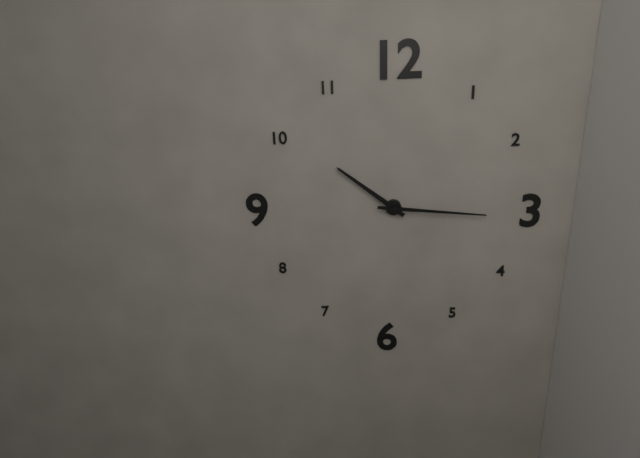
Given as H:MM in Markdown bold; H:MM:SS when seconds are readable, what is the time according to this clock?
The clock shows **10:16**
